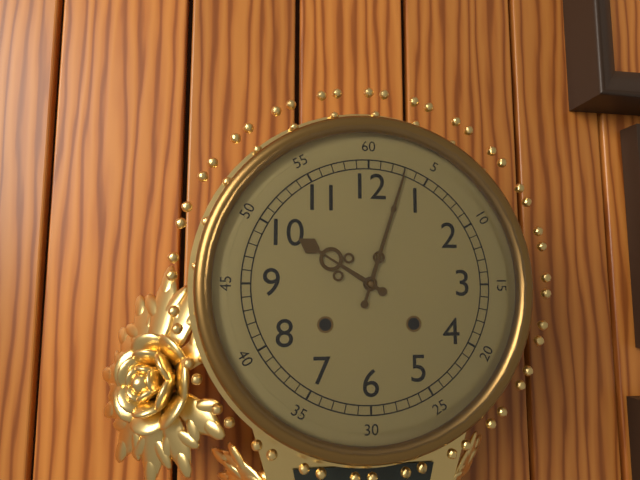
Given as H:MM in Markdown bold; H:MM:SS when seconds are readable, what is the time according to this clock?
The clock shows **10:03**
